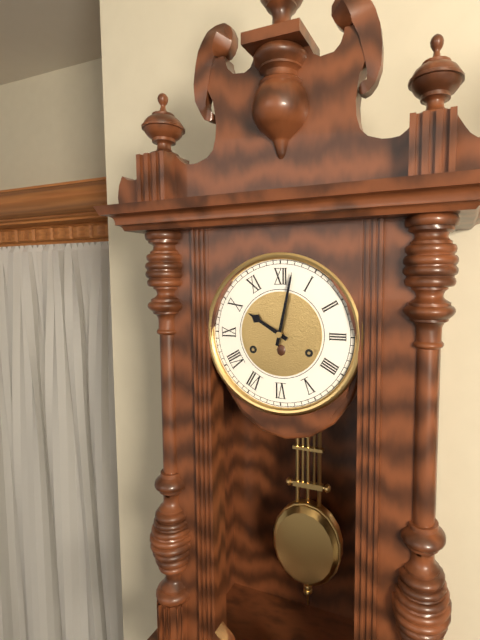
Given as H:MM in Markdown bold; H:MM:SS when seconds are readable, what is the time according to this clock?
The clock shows **10:02**
